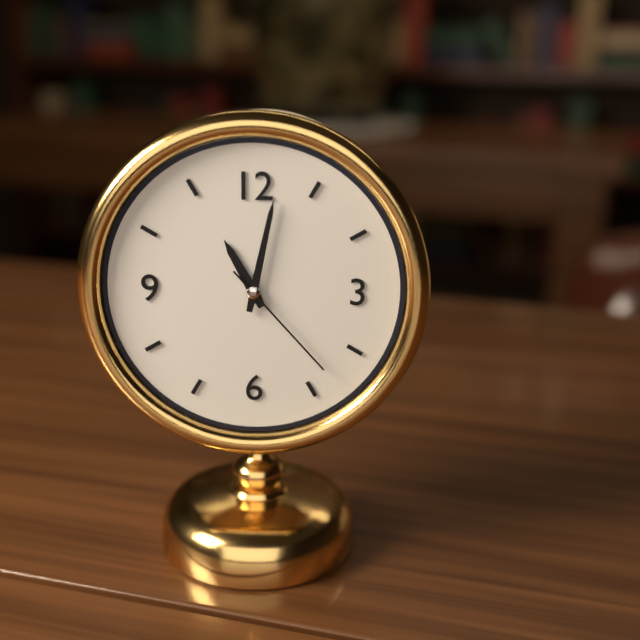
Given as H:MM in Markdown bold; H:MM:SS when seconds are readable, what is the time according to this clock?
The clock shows **11:02:23**
